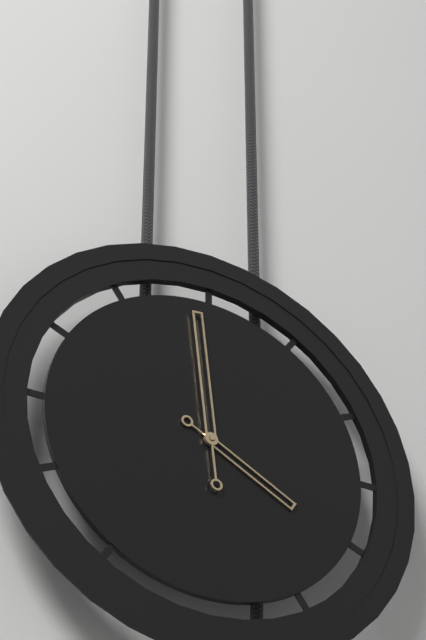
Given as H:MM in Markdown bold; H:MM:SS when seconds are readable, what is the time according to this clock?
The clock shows **3:59**
